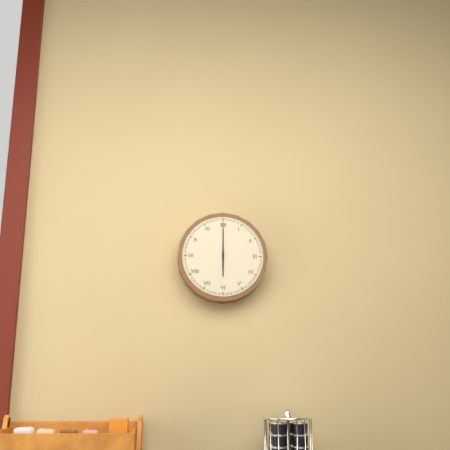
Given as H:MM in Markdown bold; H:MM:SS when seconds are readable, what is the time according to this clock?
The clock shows **6:00**
